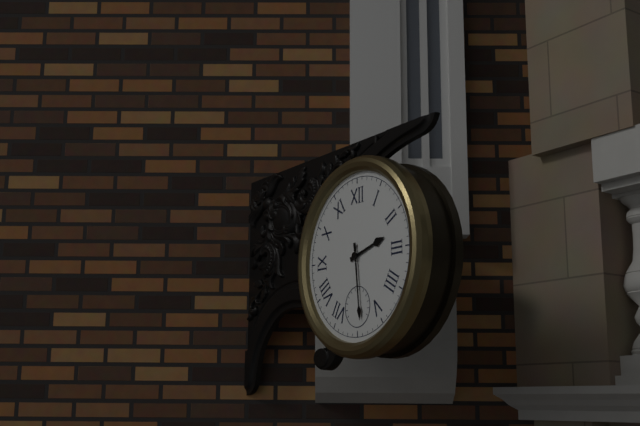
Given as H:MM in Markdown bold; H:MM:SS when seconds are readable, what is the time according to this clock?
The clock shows **2:29**
